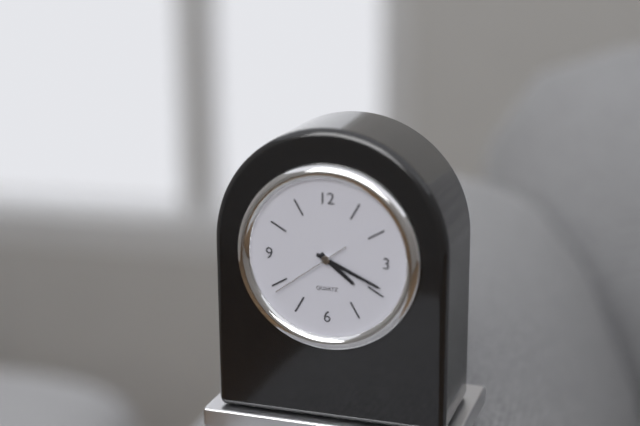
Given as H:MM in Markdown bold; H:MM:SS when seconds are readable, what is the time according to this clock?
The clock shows **4:19:39**
